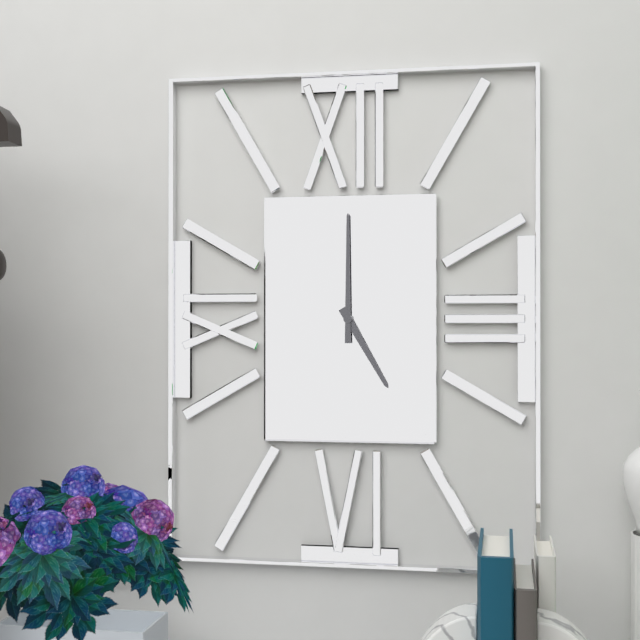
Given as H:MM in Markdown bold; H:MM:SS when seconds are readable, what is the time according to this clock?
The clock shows **5:00**
